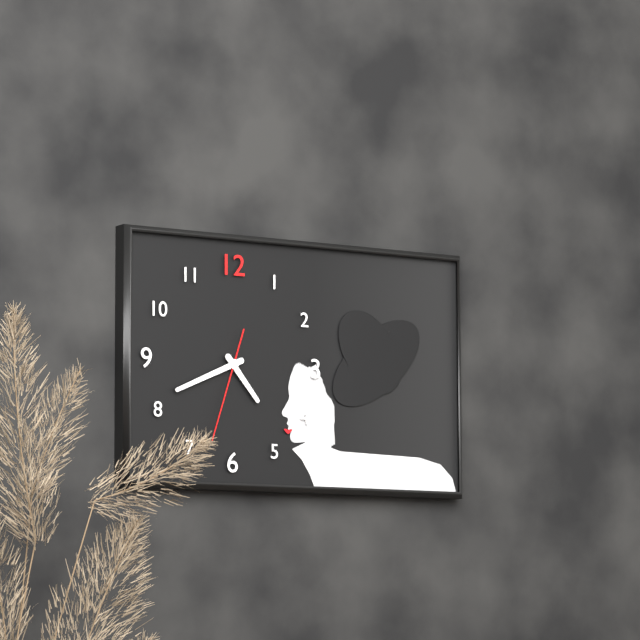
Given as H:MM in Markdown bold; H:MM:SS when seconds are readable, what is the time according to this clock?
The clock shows **4:41:33**
